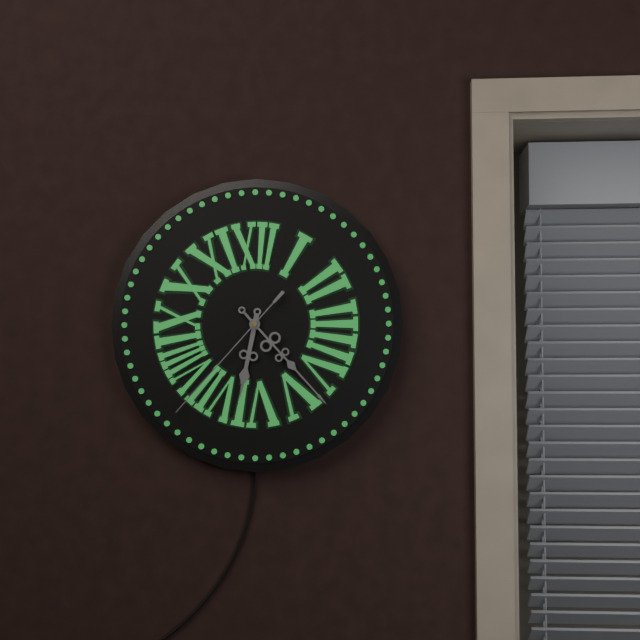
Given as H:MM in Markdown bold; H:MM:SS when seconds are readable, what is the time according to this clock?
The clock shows **6:23:37**
